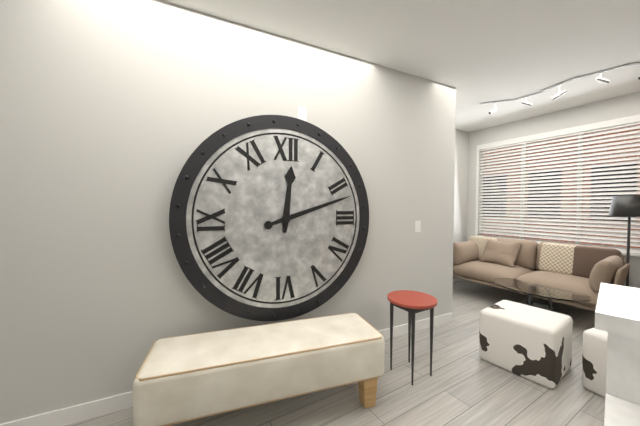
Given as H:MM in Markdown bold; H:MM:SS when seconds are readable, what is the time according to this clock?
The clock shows **12:12**
